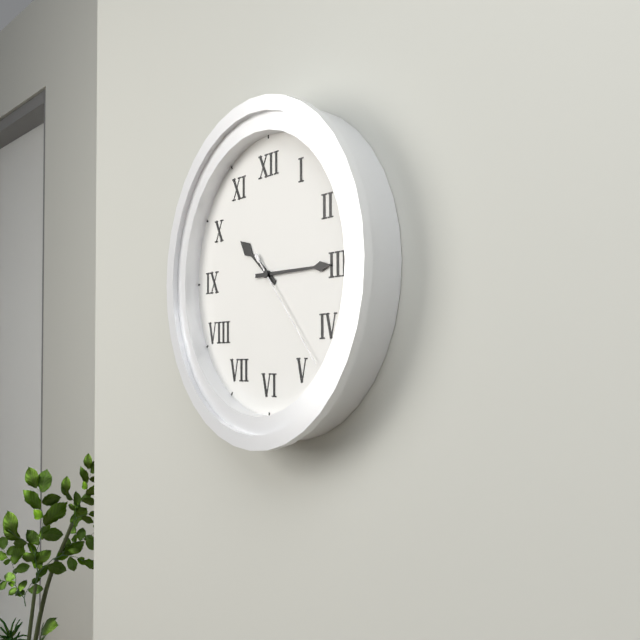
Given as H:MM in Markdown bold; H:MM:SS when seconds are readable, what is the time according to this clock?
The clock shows **10:15:23**
